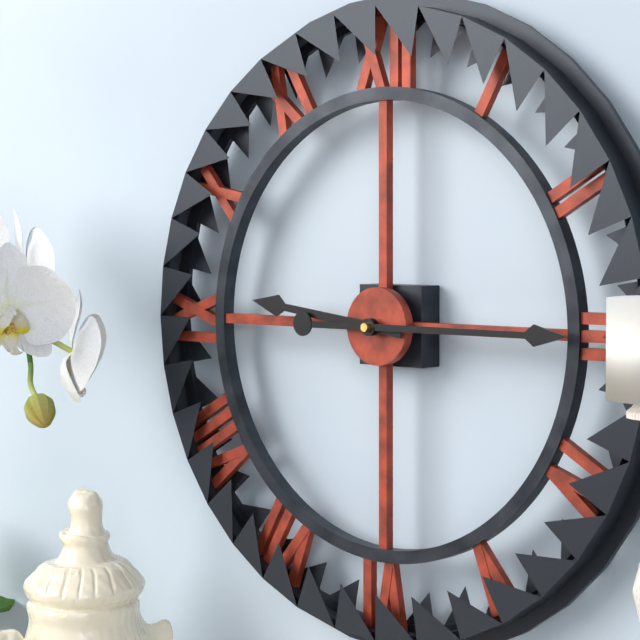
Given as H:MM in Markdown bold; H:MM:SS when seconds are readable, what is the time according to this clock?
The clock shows **9:15**
